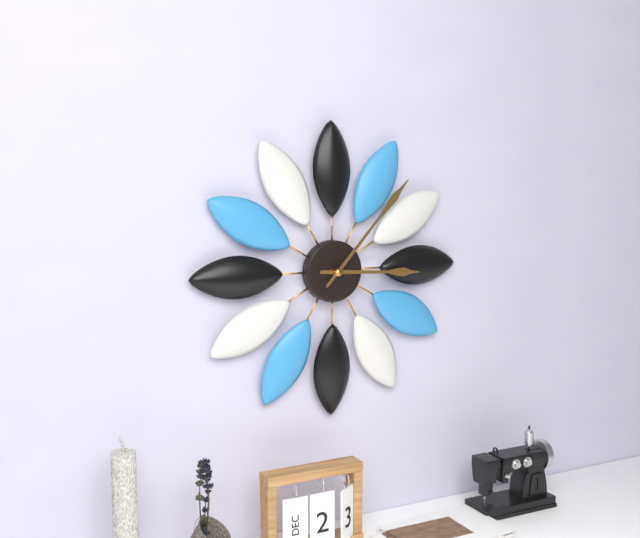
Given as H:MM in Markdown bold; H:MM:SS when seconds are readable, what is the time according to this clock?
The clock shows **3:07**
